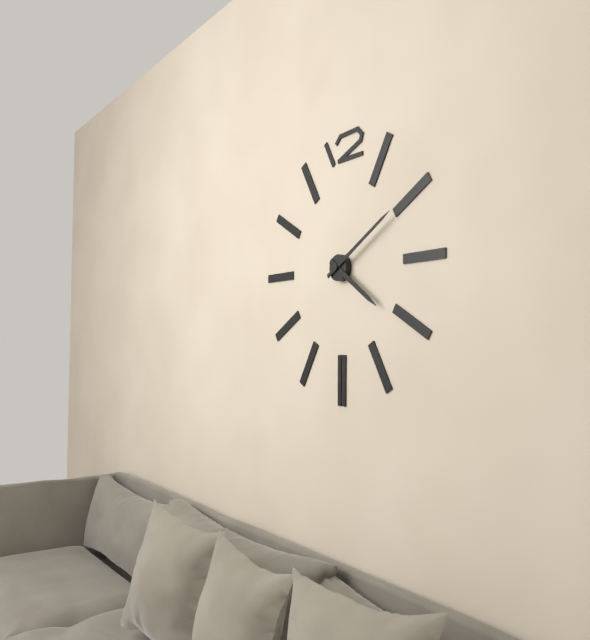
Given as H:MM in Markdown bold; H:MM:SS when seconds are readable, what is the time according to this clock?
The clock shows **4:10**
